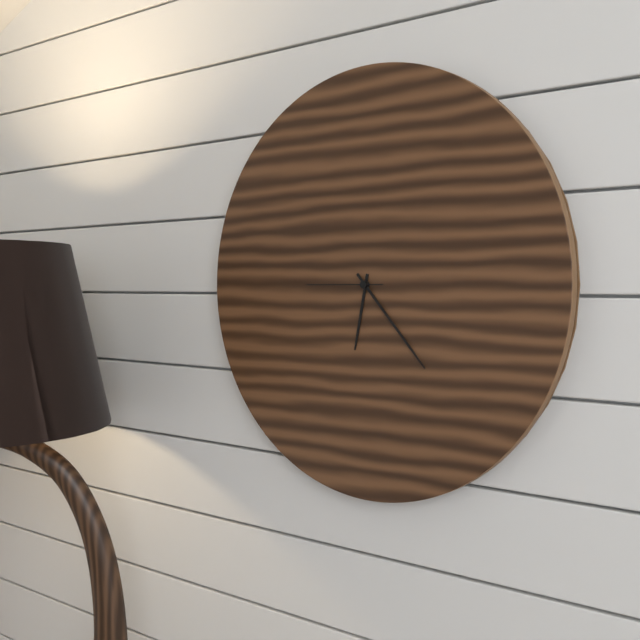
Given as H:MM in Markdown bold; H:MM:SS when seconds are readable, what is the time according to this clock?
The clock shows **6:23:45**
